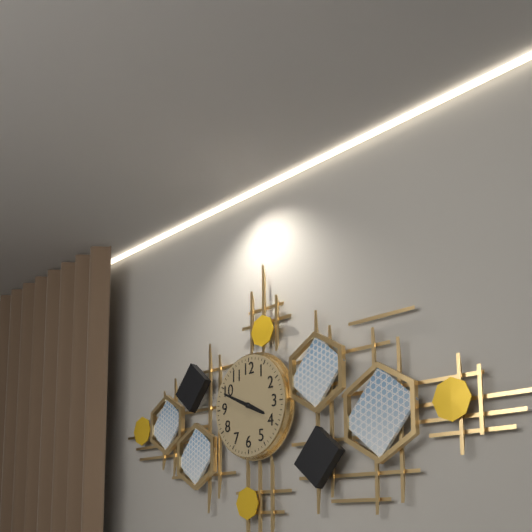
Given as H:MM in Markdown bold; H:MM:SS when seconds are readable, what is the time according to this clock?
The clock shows **3:49**
